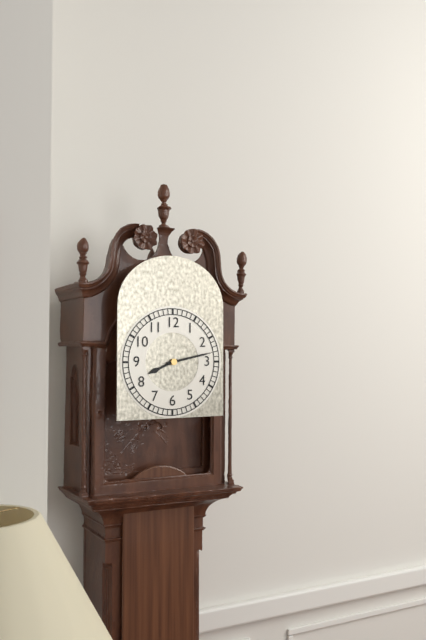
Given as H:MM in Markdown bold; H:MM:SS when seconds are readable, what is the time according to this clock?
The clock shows **8:13**
